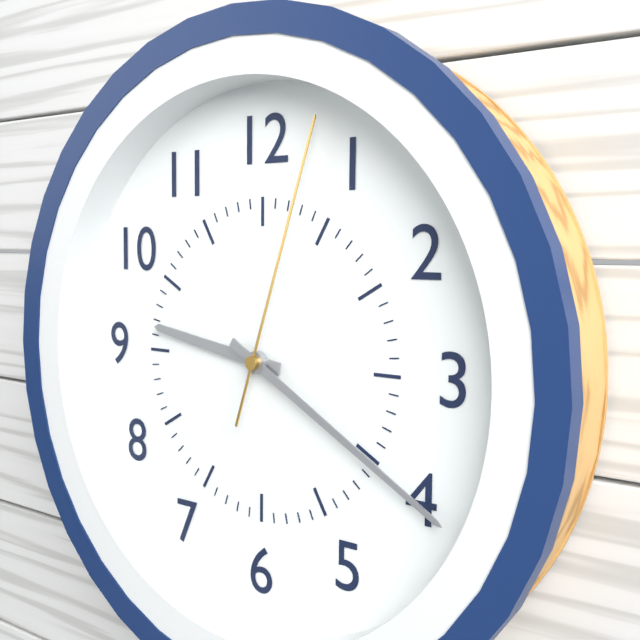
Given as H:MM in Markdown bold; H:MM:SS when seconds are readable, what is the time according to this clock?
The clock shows **9:20:03**
